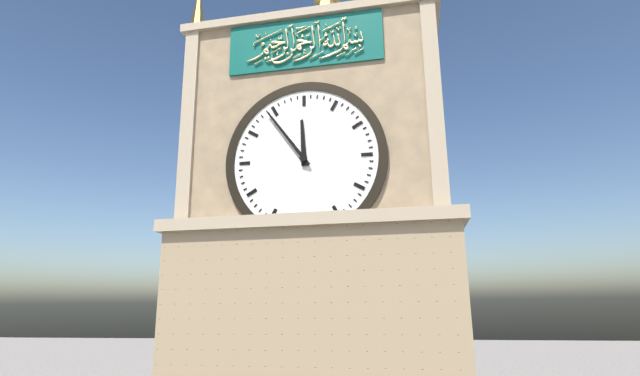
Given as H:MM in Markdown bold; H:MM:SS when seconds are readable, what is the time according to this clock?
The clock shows **11:54**
